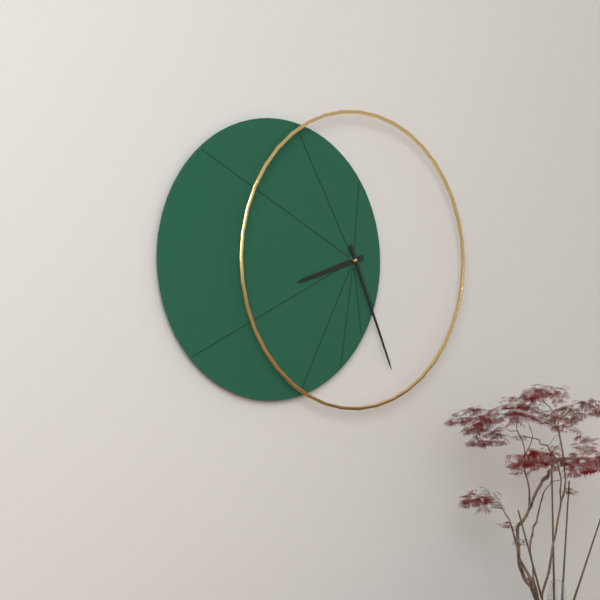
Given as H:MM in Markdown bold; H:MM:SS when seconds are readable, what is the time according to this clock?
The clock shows **8:26**
